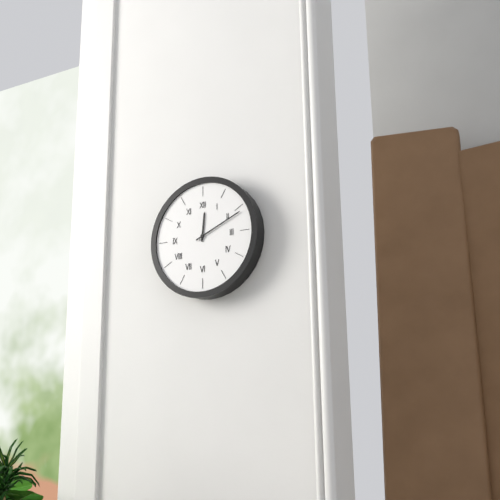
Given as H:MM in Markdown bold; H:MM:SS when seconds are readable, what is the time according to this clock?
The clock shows **12:11**
